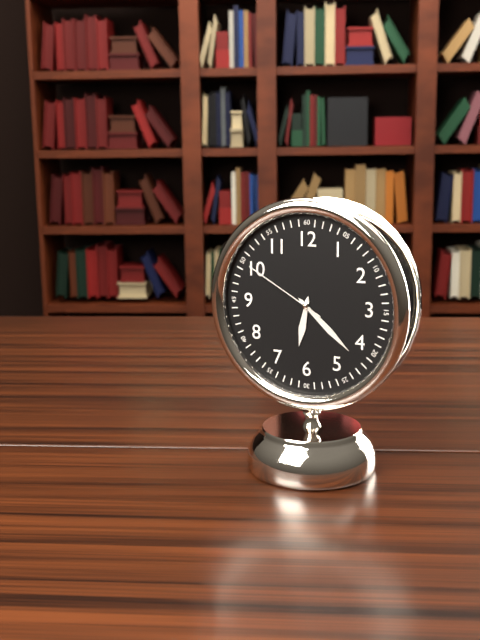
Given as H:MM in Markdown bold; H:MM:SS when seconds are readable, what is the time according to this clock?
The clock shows **6:22:50**
